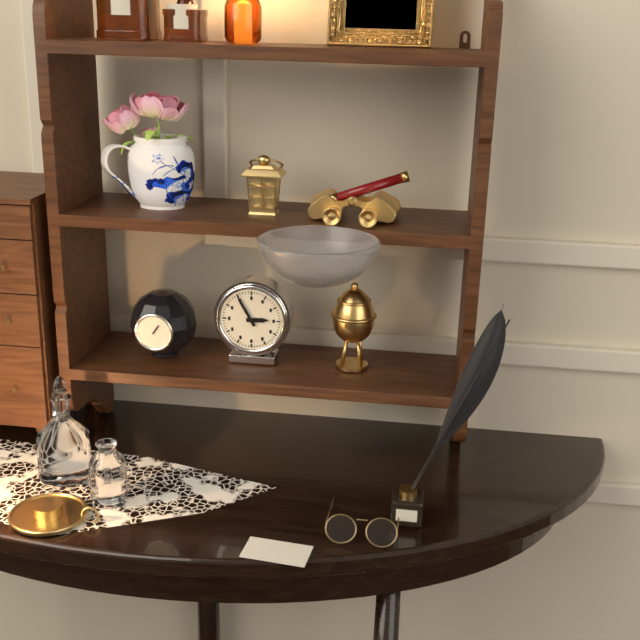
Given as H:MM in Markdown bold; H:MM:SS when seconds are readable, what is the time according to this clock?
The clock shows **2:55**
